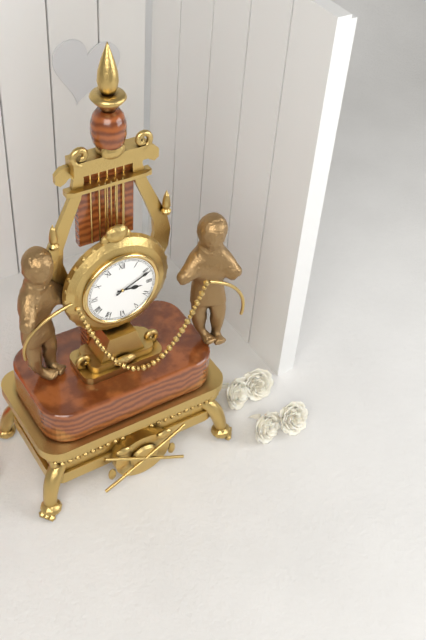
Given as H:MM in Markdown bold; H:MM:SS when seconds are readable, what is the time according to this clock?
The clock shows **3:11**
